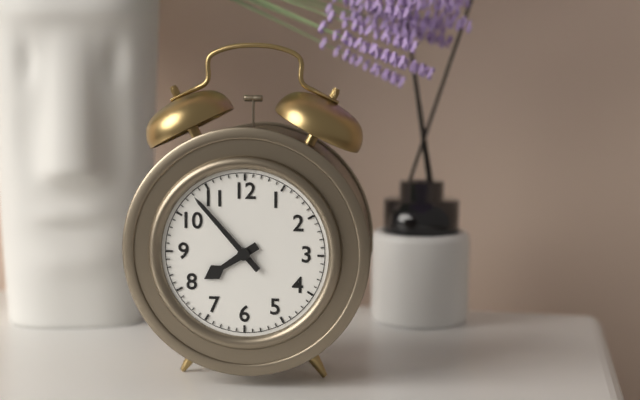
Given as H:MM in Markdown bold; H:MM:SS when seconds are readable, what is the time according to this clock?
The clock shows **7:53**
